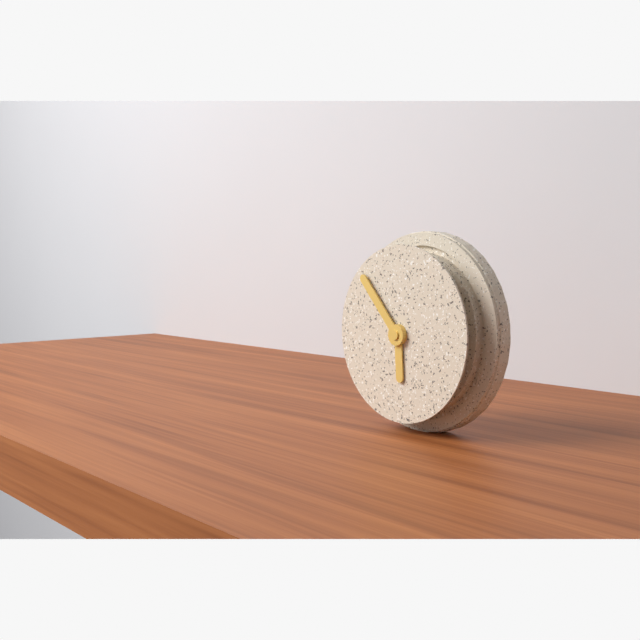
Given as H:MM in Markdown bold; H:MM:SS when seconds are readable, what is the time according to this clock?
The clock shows **5:53**
